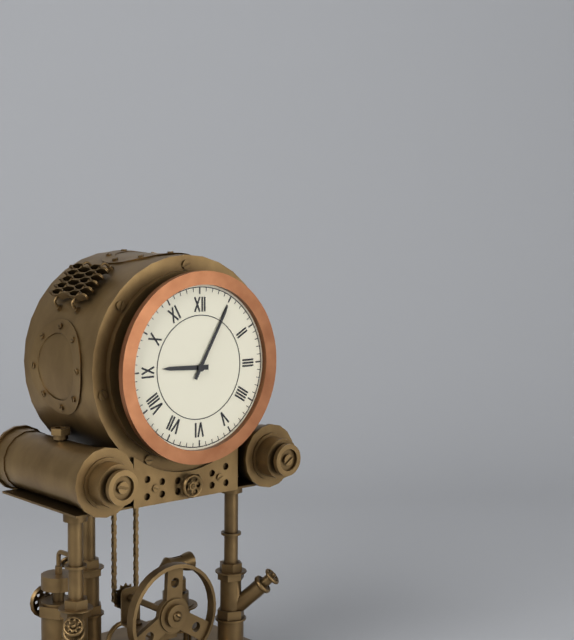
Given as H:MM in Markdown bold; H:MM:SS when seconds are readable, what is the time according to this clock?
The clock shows **9:05**
